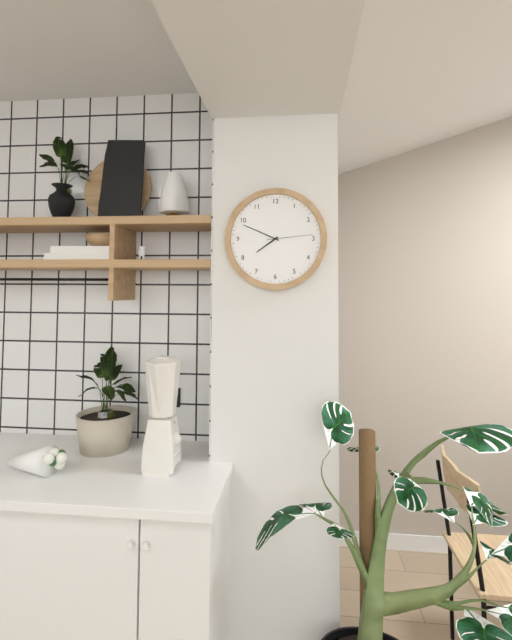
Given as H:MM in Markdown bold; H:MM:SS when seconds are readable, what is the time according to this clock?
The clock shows **7:49**
